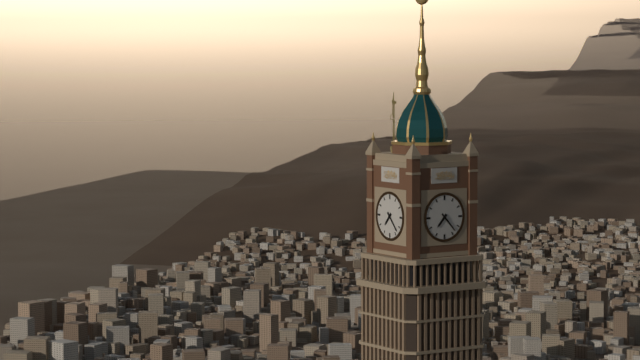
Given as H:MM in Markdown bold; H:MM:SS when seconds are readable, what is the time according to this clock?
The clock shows **7:23**
